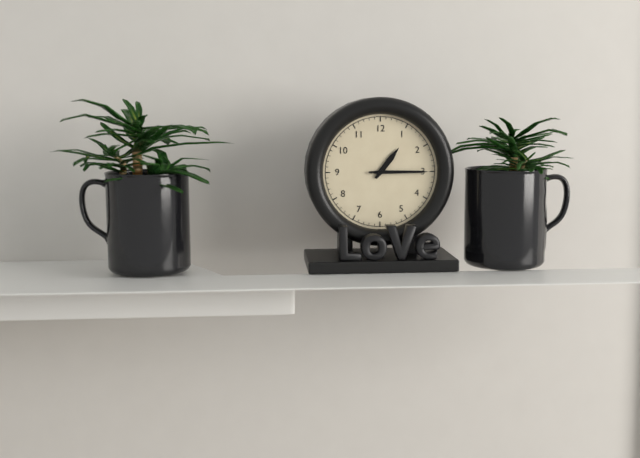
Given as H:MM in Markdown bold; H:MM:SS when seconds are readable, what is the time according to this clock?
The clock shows **1:15**
